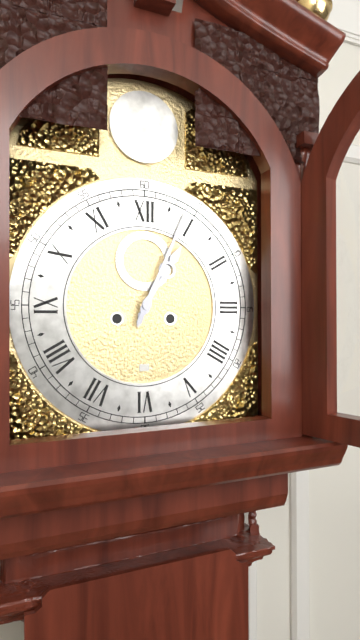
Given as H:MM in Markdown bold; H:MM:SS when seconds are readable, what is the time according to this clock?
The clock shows **1:04**
